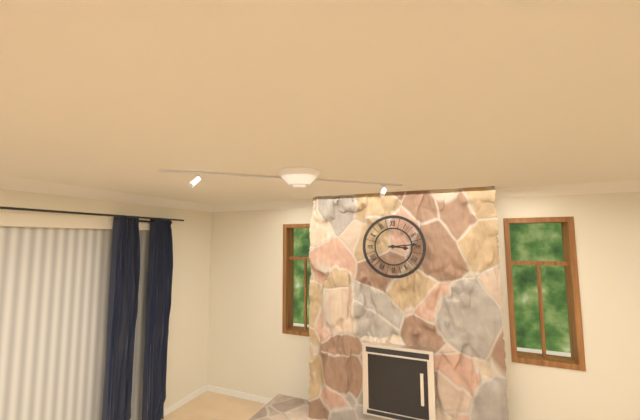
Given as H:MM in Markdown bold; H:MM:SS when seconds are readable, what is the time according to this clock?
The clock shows **3:14**
